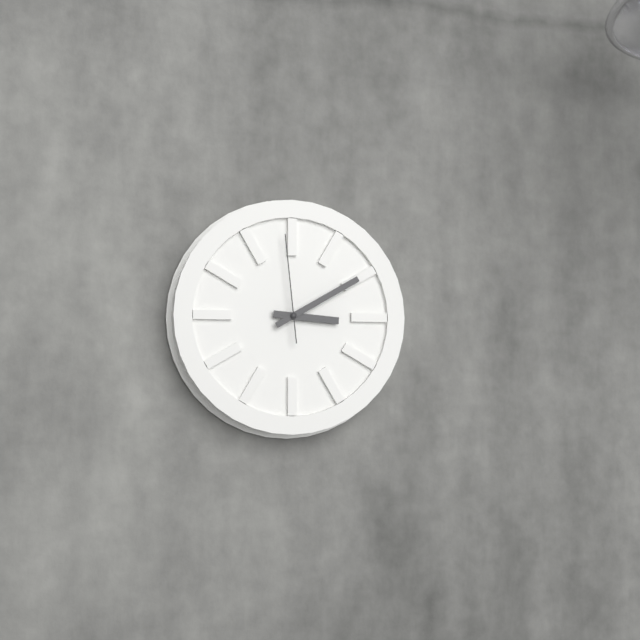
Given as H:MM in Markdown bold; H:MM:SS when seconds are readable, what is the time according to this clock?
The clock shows **3:10:59**
